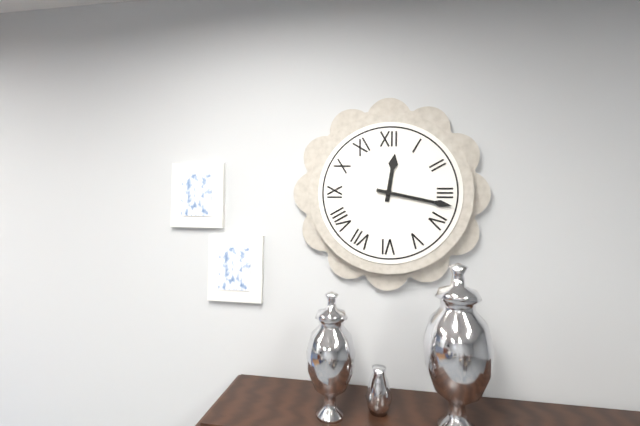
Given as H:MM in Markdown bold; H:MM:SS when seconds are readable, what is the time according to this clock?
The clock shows **12:17**
